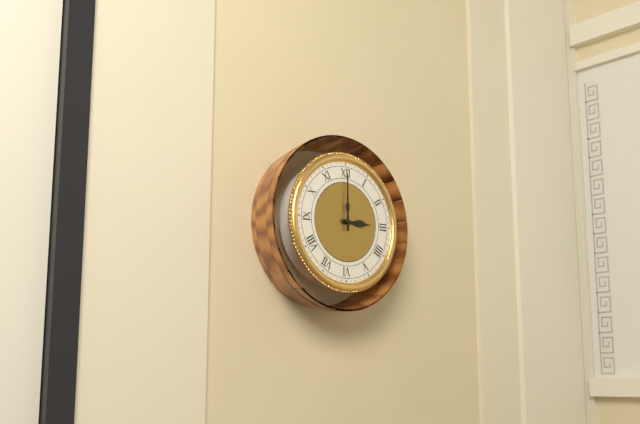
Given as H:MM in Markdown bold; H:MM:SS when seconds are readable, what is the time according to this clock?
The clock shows **3:00**
